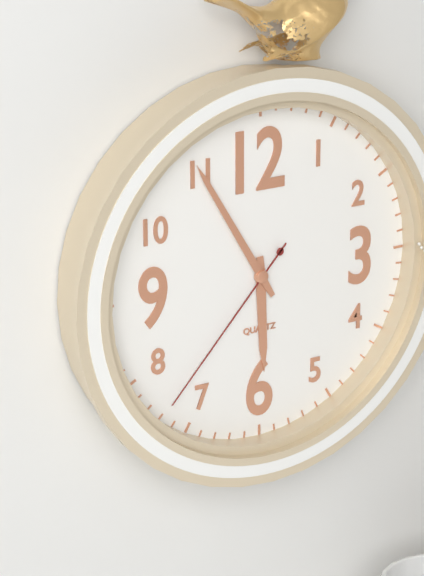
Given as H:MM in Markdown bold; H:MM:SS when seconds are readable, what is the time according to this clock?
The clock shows **5:55:37**
